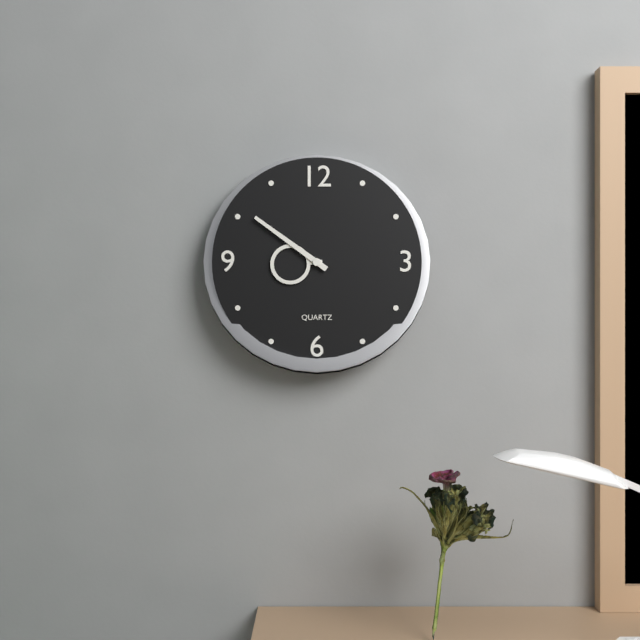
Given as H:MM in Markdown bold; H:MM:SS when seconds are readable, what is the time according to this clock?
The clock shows **8:51**
